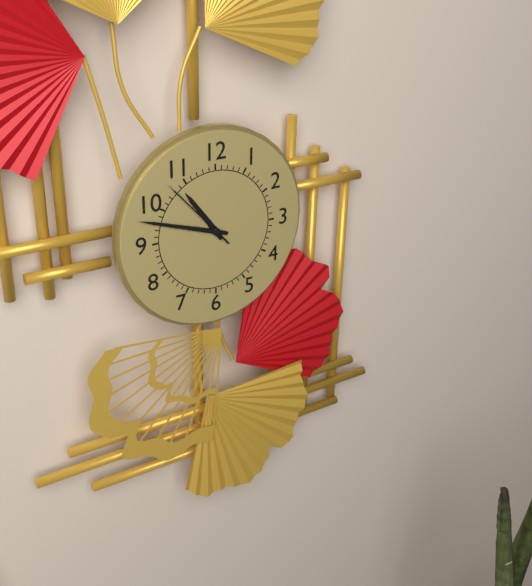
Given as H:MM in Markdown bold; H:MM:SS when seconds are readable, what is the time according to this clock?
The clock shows **10:48:53**
